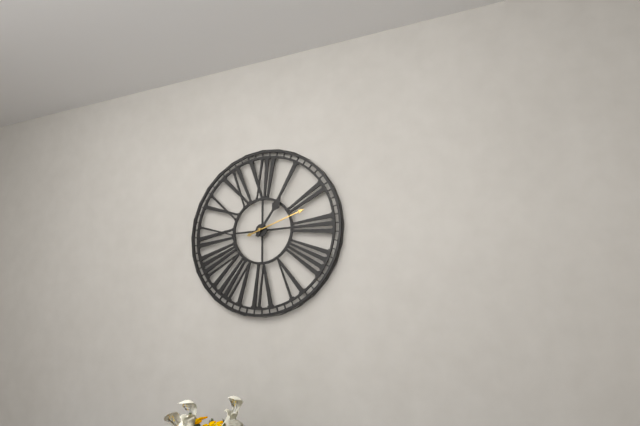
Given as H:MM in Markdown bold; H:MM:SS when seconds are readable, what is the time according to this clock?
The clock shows **1:12**
